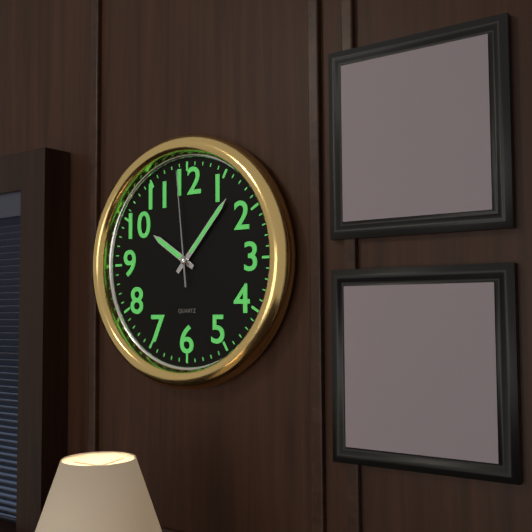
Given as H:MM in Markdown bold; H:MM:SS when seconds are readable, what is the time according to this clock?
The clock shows **10:07:59**
